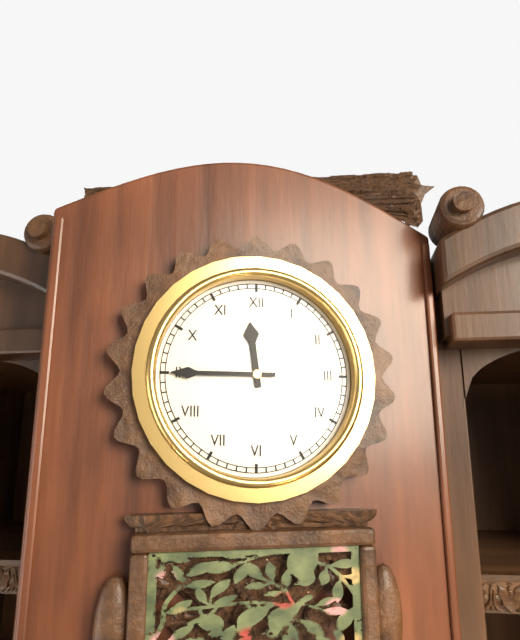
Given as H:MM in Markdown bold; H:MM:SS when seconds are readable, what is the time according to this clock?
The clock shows **11:45**
